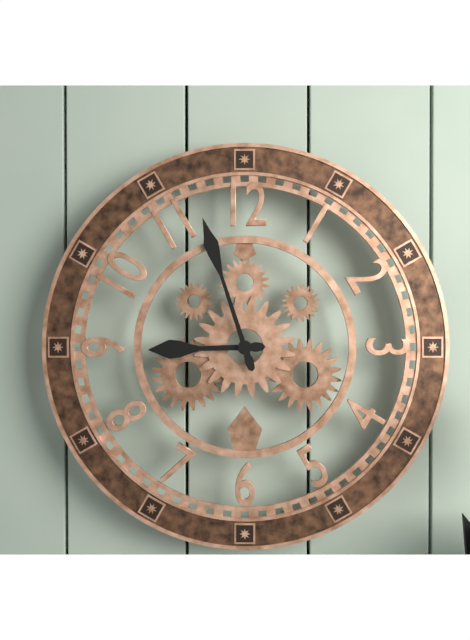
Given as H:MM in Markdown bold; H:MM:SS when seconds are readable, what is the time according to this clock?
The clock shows **8:57**
